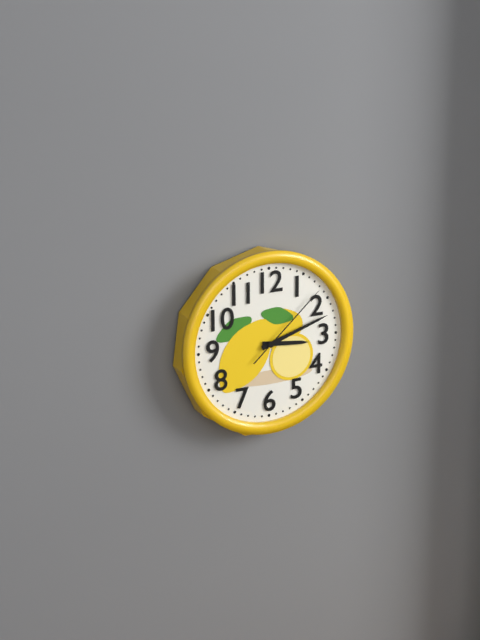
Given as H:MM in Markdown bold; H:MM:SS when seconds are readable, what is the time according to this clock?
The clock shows **3:12:08**
